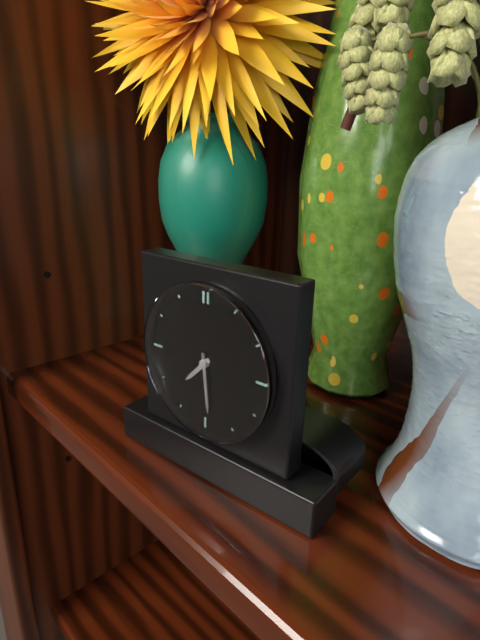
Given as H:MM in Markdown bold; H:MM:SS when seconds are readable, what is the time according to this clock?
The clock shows **7:29**
